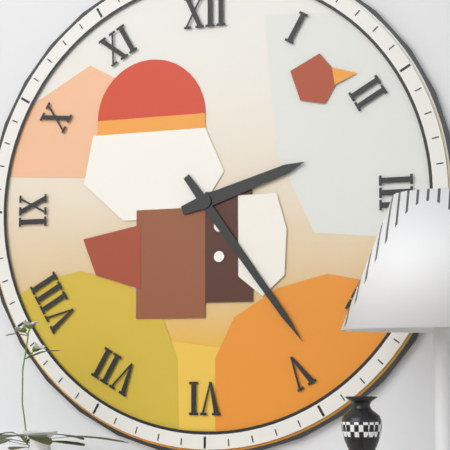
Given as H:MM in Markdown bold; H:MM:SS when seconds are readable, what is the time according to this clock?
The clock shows **2:24**
